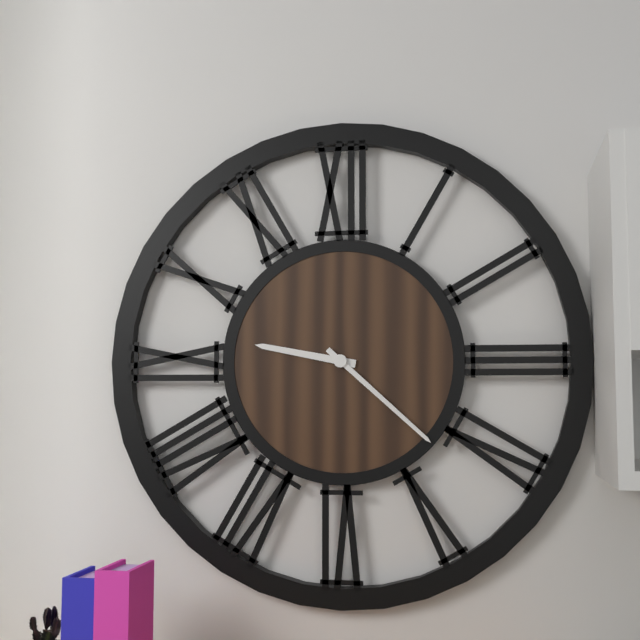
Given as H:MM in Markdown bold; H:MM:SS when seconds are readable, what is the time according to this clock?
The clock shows **9:22**
